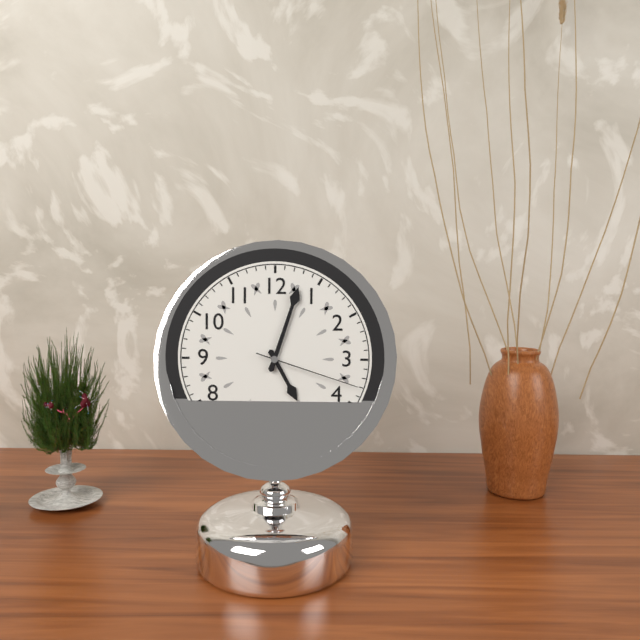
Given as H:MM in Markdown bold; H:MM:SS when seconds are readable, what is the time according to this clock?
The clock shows **5:03:18**
